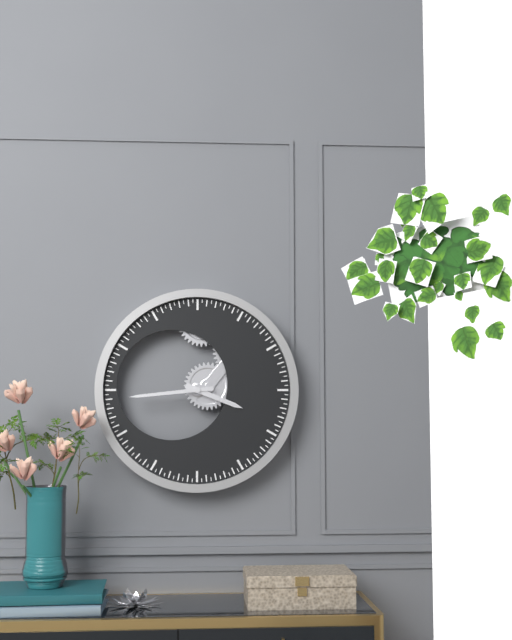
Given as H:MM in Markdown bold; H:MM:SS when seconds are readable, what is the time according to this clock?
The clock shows **3:44**
